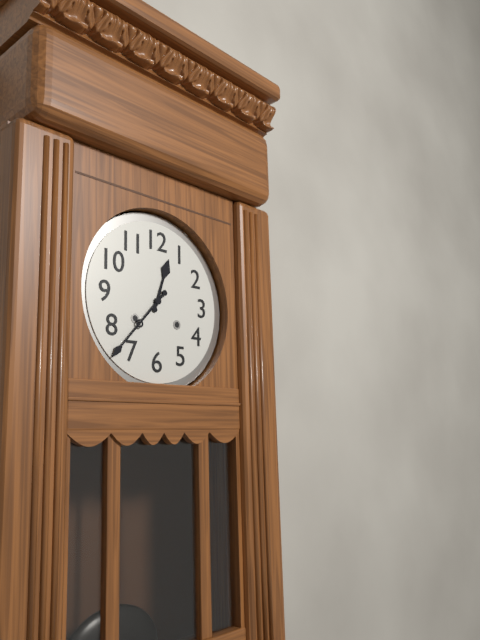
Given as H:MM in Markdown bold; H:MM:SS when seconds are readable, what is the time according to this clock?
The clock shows **12:37**
